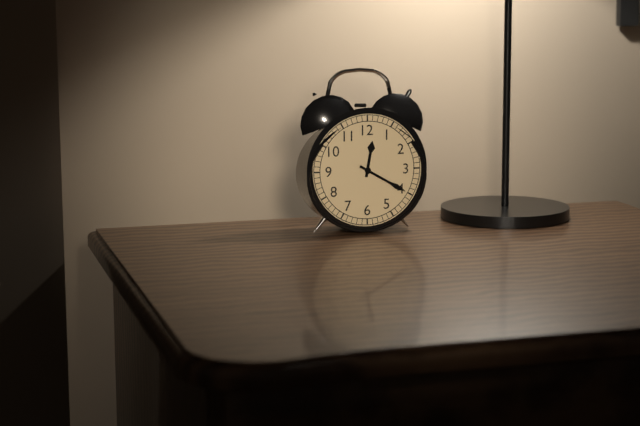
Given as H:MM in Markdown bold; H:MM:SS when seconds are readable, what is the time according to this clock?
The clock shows **12:20**
